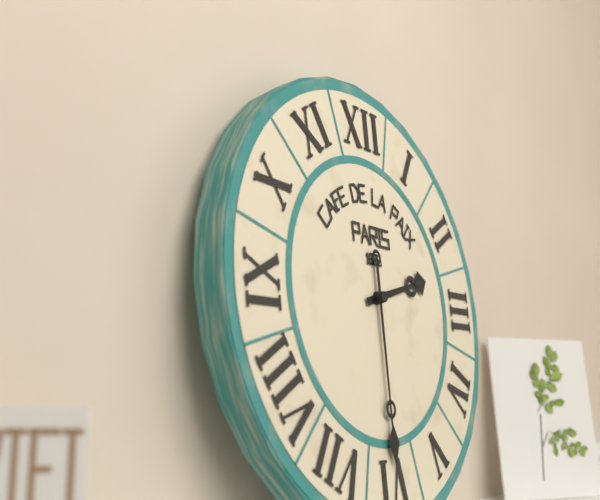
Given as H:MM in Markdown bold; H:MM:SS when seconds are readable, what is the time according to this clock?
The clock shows **2:30**
